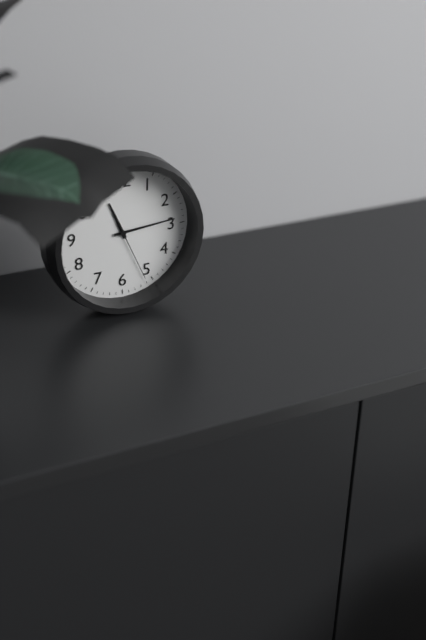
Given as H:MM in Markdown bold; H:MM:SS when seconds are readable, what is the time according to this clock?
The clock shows **11:14:26**
